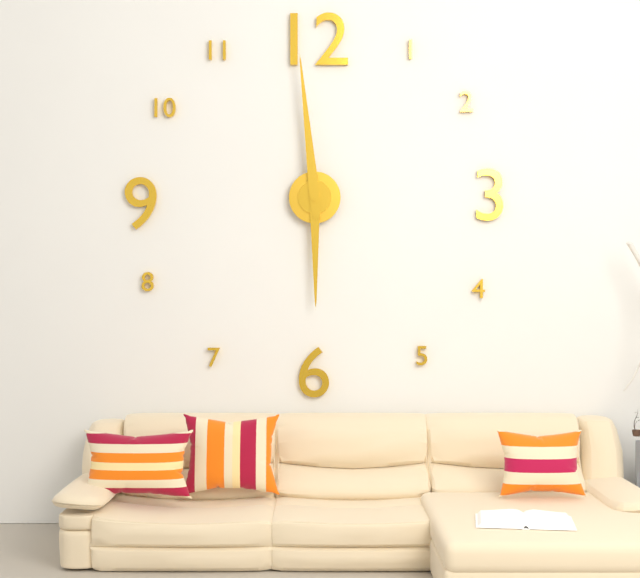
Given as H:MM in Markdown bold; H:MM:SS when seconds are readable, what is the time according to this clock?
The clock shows **5:59**
